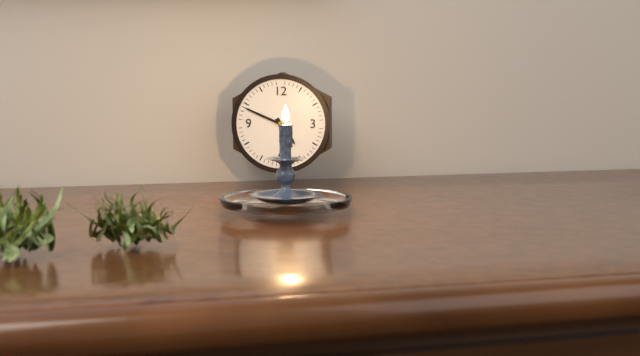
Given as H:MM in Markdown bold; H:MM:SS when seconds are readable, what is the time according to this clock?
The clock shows **4:49**
